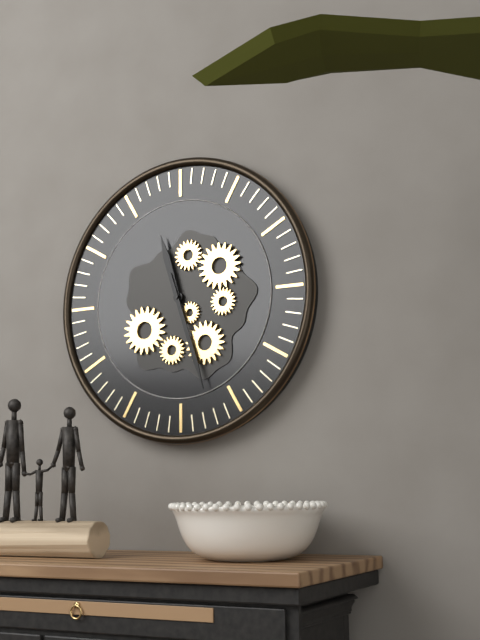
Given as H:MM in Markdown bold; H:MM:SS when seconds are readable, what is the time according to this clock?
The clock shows **11:27**
